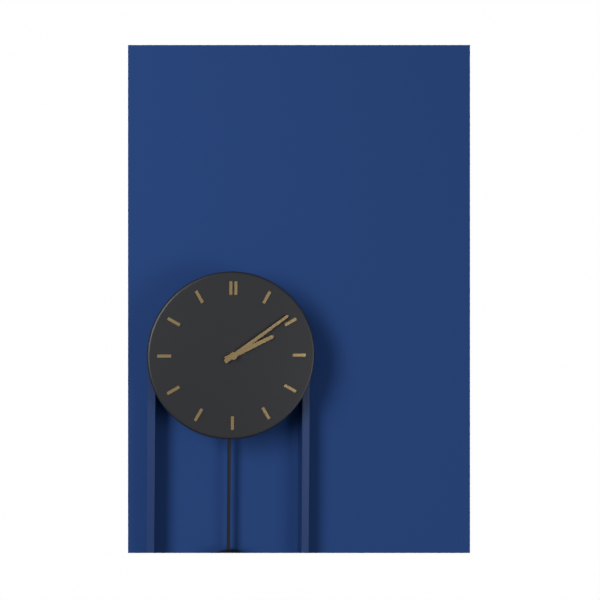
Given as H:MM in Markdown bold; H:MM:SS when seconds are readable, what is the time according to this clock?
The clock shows **2:09**
